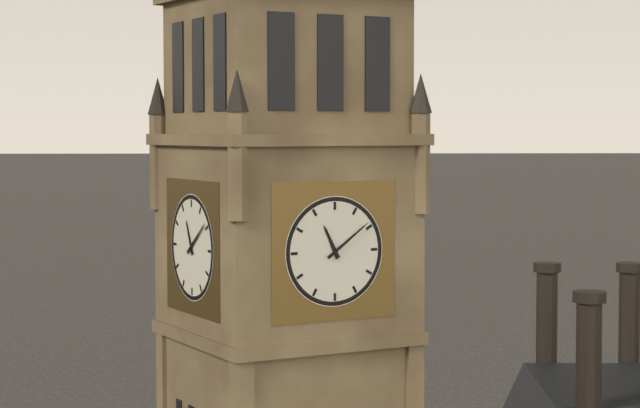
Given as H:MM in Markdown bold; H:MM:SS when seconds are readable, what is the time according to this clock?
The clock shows **11:09**
